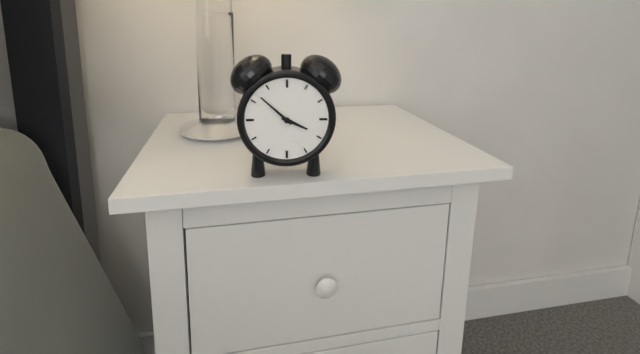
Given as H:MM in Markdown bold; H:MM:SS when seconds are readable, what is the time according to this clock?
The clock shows **3:52**
